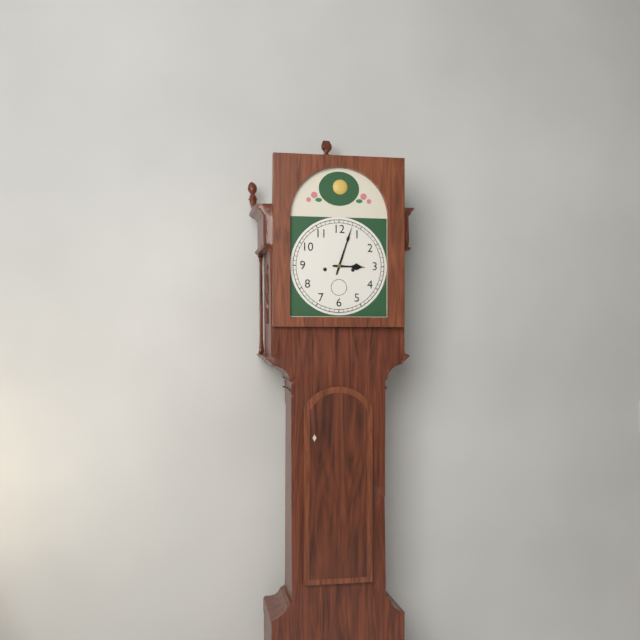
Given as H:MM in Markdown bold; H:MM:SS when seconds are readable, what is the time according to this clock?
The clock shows **3:03**
